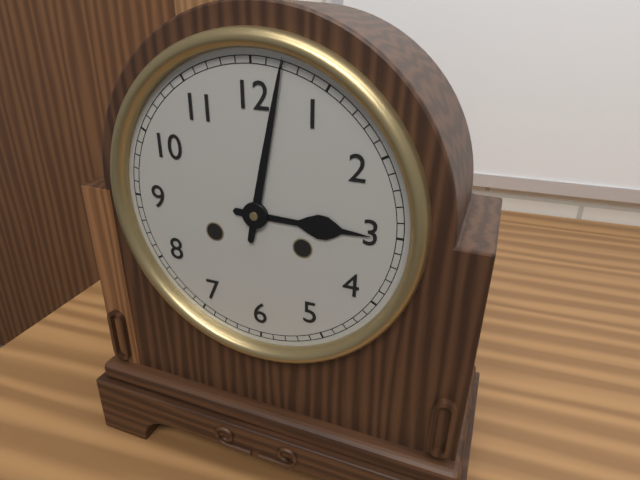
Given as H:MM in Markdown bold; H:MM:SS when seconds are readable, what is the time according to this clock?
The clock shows **3:02**
